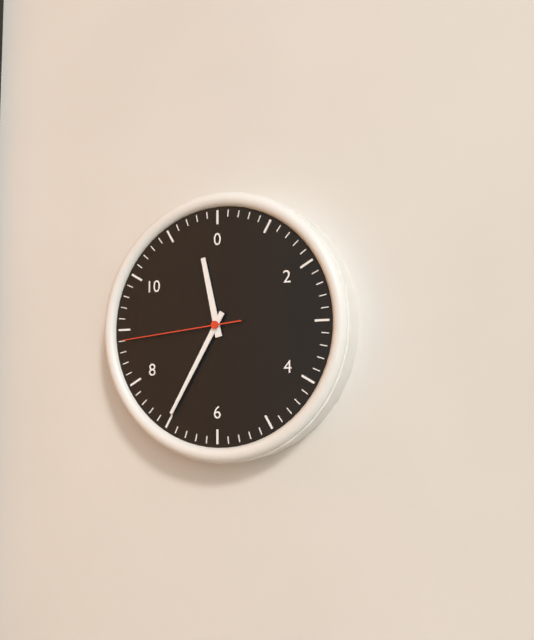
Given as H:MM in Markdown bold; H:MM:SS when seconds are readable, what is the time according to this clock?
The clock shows **11:35:44**
